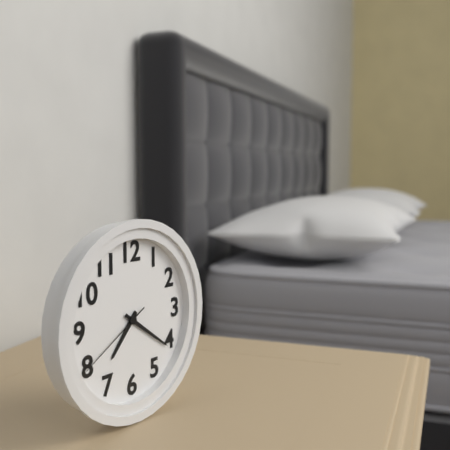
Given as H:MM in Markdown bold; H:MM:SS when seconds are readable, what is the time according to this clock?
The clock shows **7:21:40**
